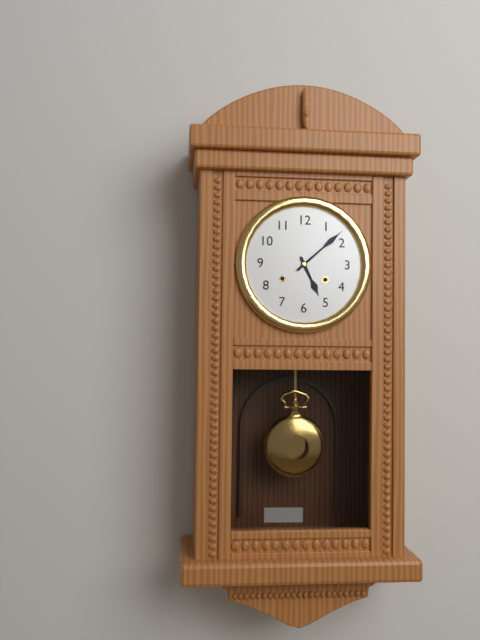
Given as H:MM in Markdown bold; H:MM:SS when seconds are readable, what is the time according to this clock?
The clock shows **5:08**
